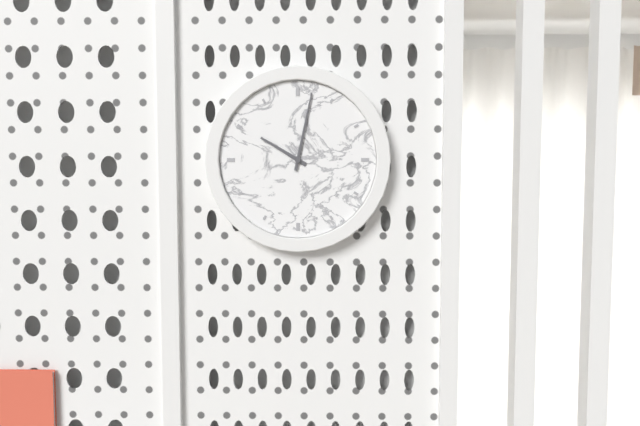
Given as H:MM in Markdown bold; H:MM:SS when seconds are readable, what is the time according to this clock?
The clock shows **10:02**
